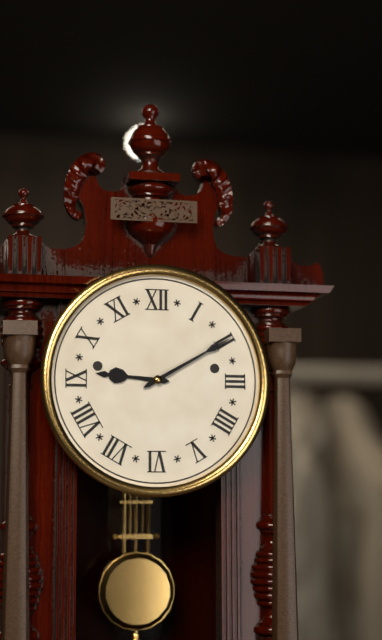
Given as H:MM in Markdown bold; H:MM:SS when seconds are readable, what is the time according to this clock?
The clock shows **9:10**
